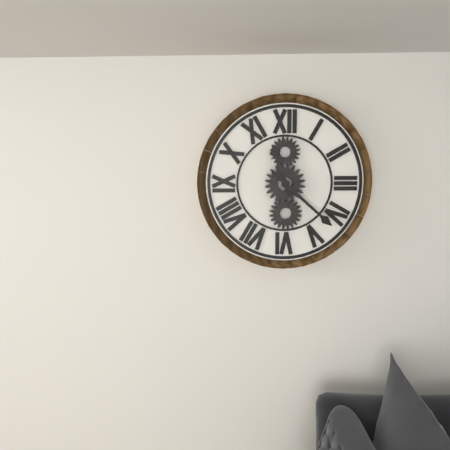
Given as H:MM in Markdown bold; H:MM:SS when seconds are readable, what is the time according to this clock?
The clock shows **11:22**
